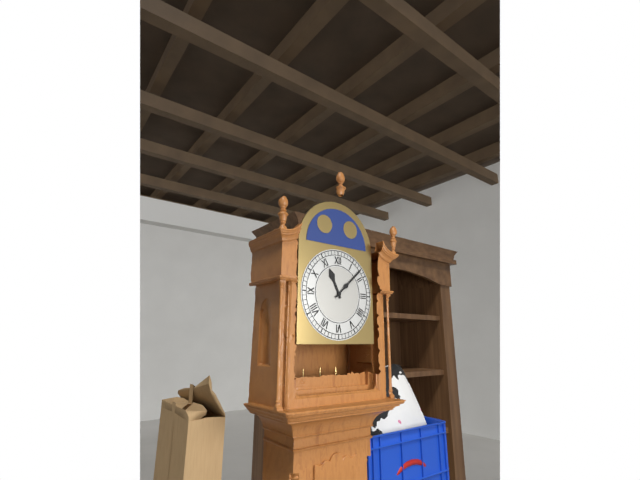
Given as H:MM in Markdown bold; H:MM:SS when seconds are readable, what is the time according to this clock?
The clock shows **11:08**
